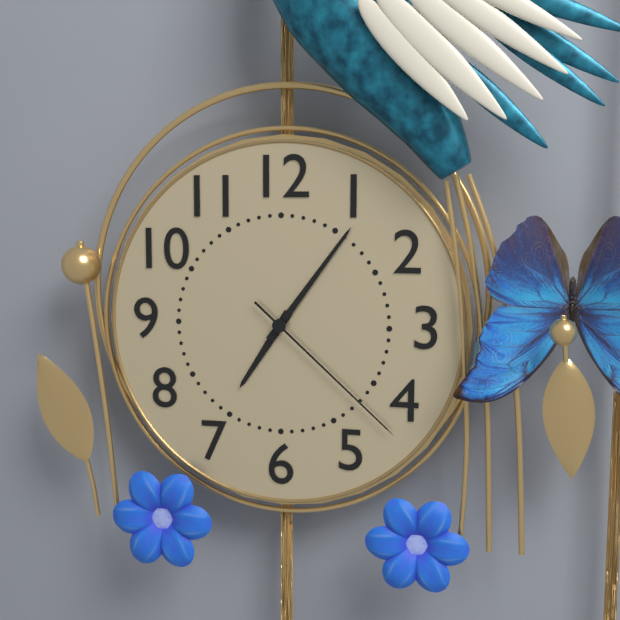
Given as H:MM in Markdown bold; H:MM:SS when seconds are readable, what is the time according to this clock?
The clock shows **7:06:22**
